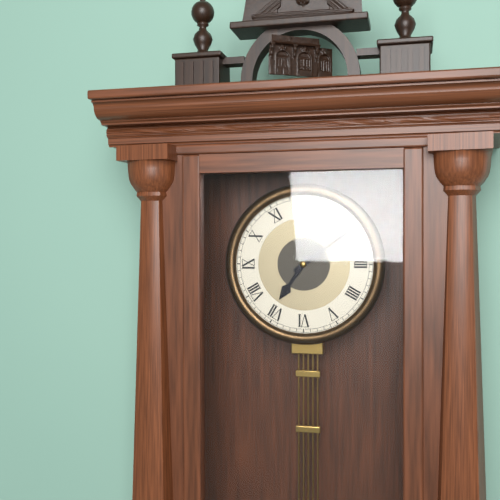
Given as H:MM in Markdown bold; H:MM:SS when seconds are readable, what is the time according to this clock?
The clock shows **7:09**
